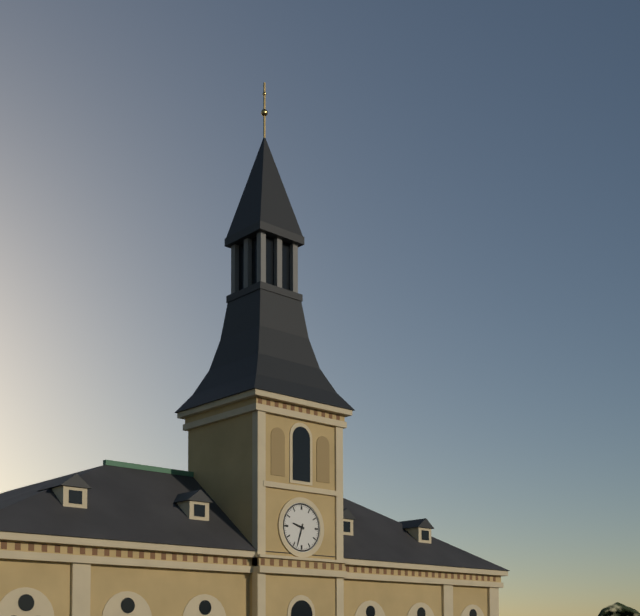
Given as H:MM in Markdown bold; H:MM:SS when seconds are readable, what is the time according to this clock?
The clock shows **9:33**
